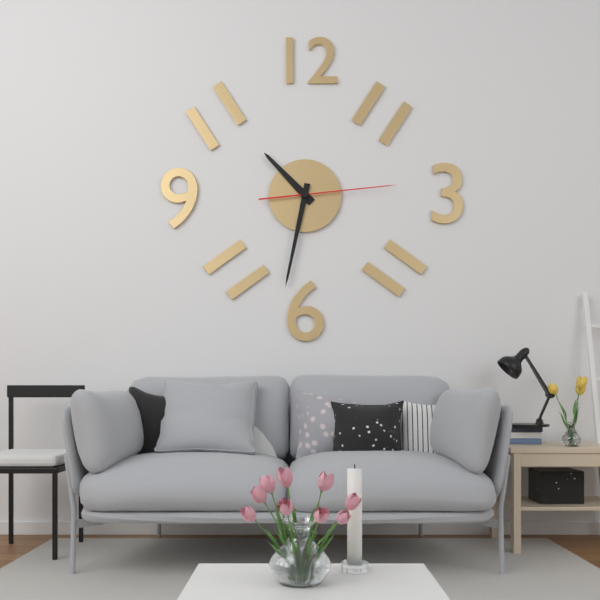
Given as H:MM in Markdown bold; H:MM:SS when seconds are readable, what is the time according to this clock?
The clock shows **10:32:14**
